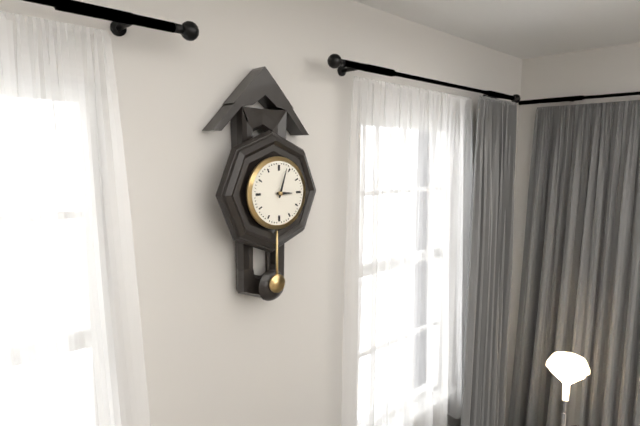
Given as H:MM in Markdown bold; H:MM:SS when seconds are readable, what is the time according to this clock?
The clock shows **3:03**
